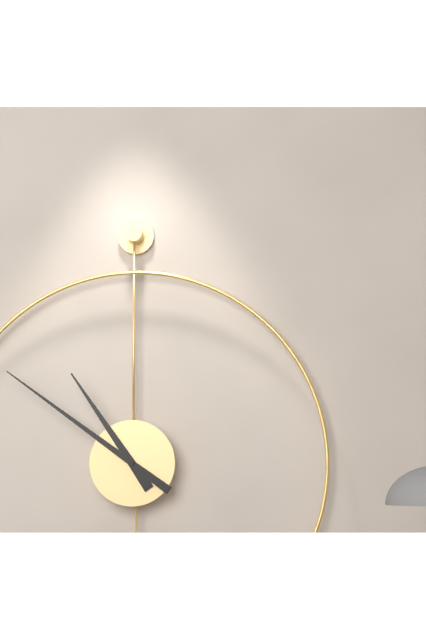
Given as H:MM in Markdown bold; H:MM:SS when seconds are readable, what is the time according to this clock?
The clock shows **10:51**
